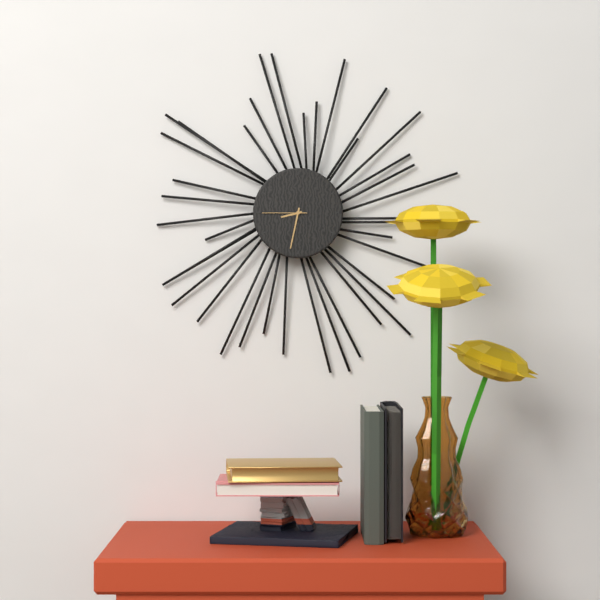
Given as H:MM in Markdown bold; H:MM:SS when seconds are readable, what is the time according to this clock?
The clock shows **8:32**
